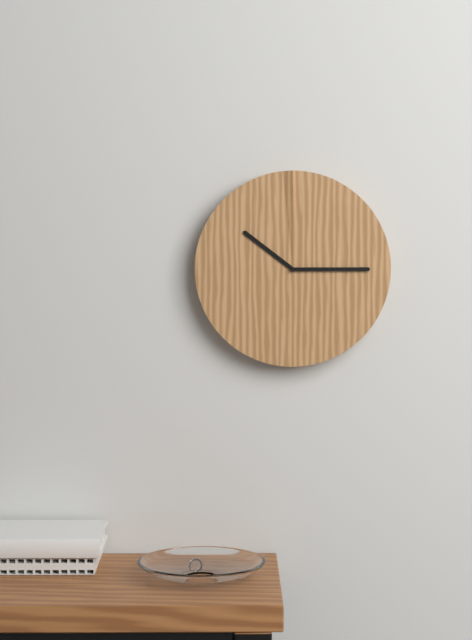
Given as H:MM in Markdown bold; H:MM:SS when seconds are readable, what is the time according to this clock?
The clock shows **10:15**
